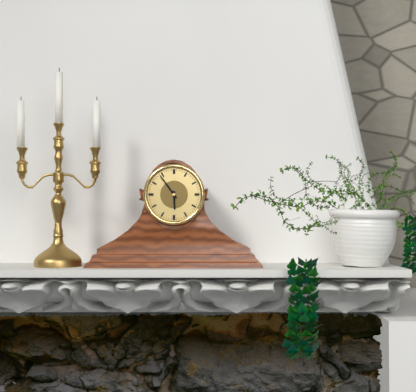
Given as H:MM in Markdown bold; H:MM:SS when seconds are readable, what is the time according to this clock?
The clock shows **5:54**
